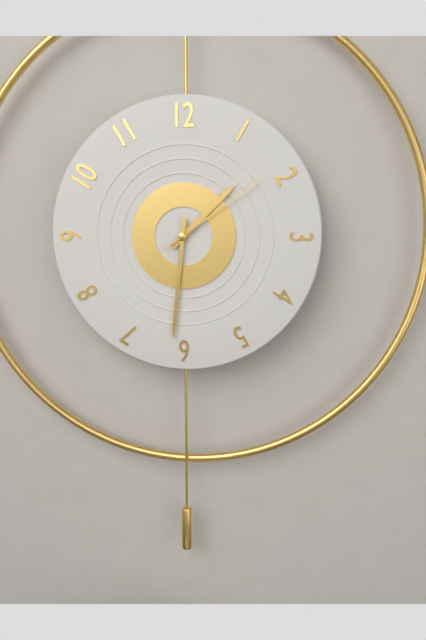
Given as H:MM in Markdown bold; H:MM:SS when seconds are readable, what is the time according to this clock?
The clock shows **1:31:09**
